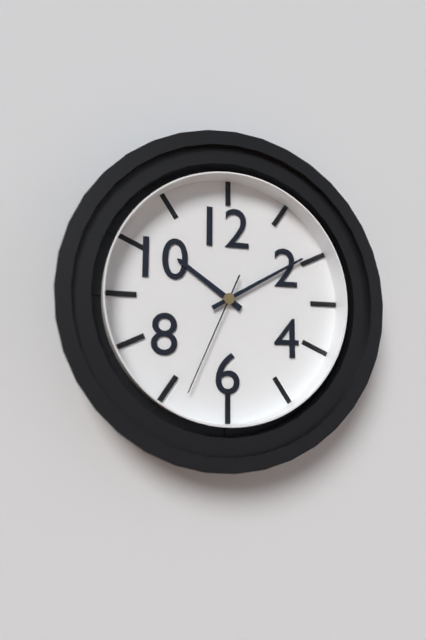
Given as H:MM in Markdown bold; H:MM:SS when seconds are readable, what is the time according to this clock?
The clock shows **10:10:34**
